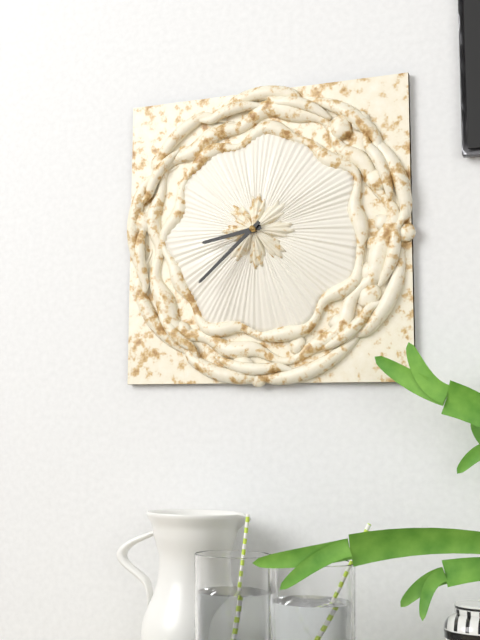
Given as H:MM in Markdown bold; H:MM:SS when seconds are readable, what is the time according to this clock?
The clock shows **8:38**
